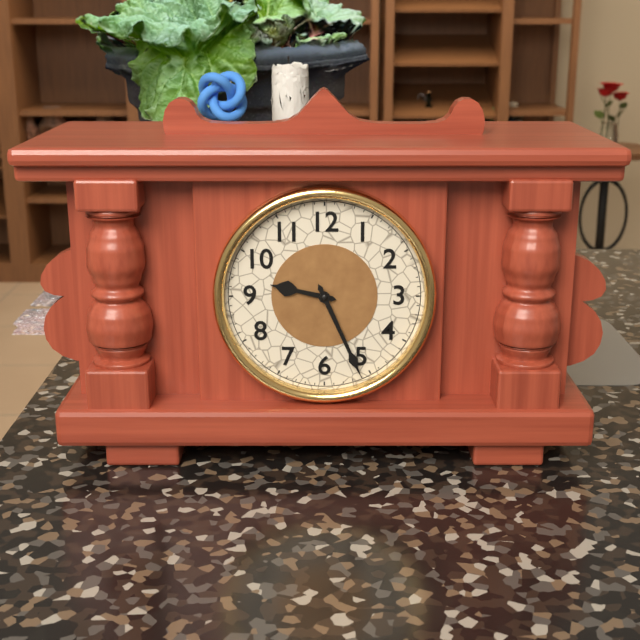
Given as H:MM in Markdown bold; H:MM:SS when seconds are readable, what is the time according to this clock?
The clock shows **9:26**
